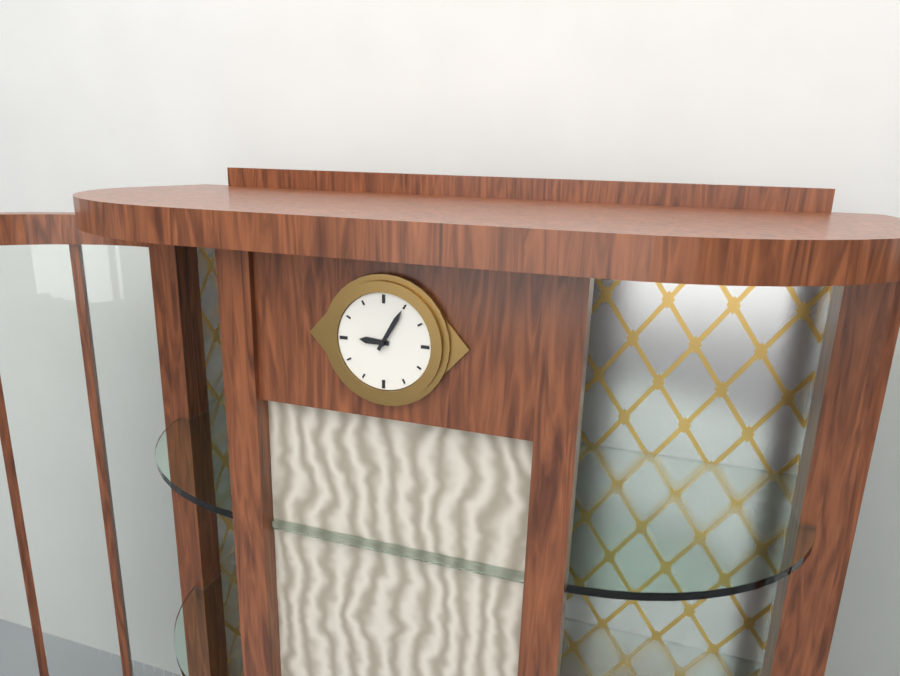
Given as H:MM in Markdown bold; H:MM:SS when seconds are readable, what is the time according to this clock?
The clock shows **9:05**
